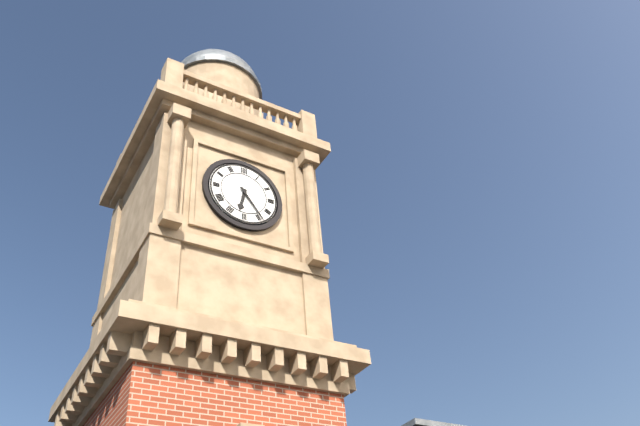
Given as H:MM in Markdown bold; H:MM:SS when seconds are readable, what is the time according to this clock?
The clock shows **6:24**
